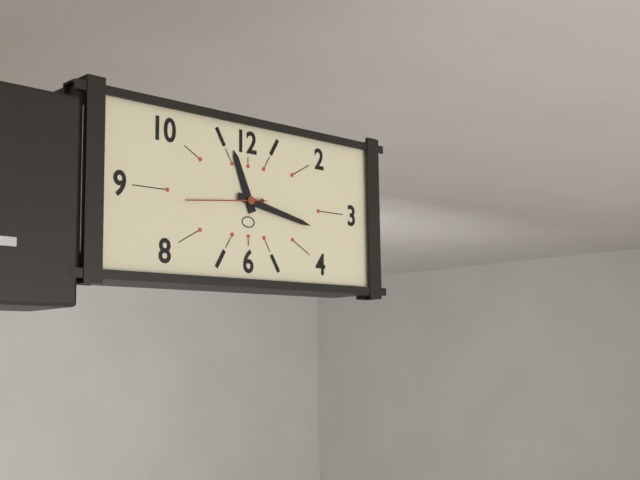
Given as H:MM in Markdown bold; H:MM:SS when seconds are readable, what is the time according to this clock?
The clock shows **11:17:44**
